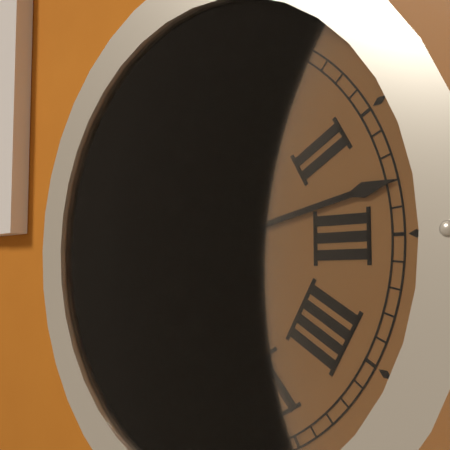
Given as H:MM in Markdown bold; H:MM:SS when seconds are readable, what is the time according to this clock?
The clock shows **1:13**
